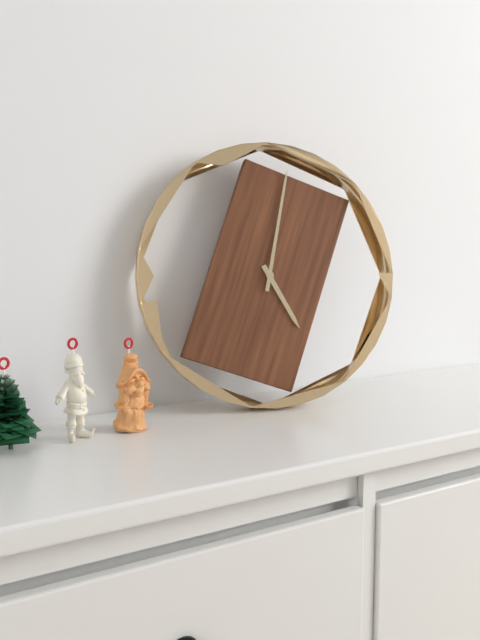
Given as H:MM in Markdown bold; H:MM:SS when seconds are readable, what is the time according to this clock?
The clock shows **5:02**
